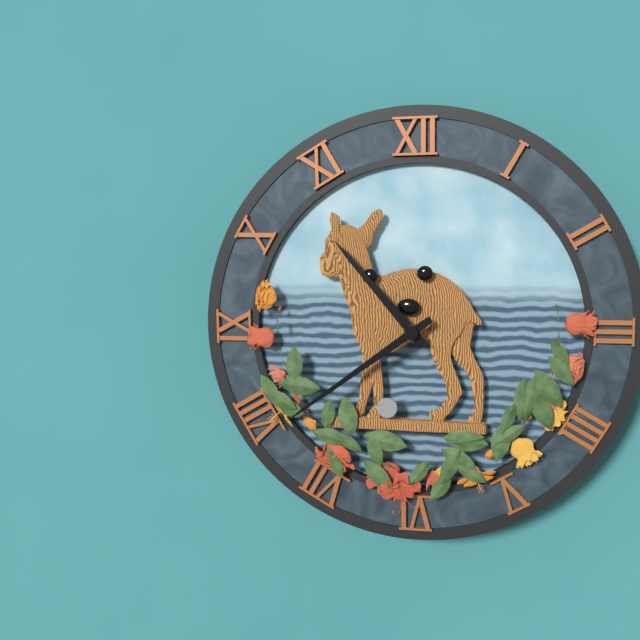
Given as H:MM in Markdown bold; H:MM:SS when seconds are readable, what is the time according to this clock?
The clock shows **10:39**
